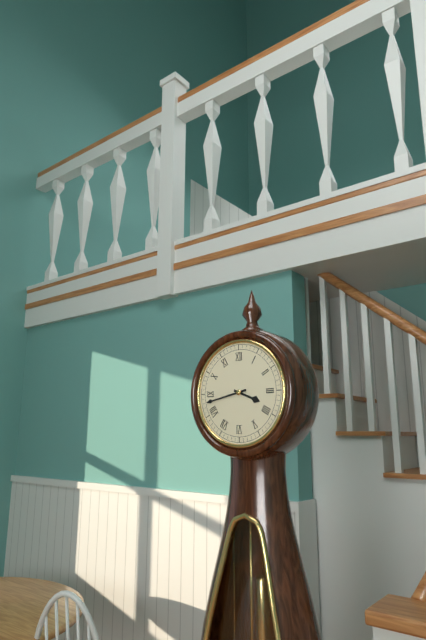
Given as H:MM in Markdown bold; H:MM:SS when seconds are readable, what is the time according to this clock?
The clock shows **3:43**
